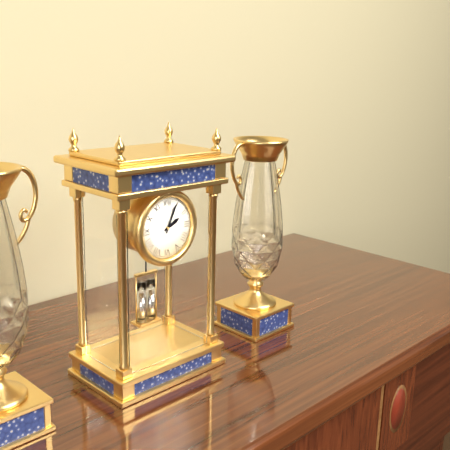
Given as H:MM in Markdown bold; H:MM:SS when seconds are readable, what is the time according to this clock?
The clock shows **2:04**
